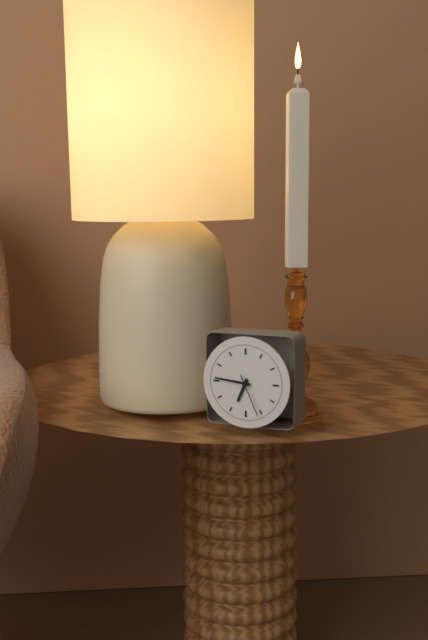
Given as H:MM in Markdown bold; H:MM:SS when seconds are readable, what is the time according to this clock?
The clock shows **6:46**
